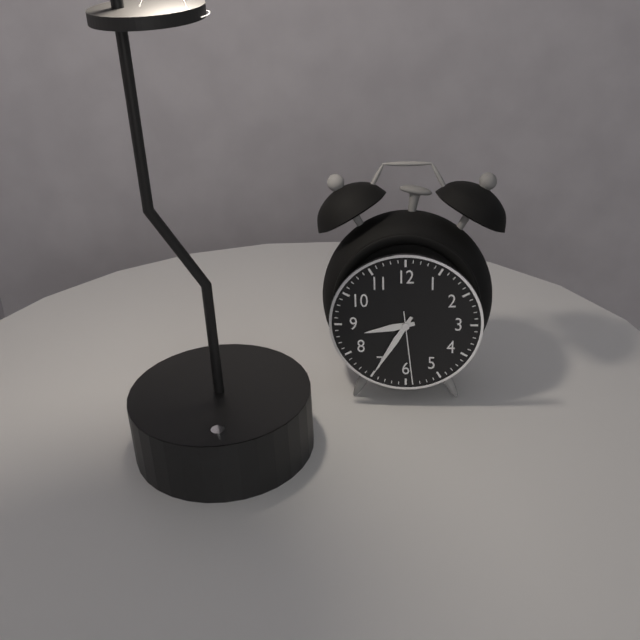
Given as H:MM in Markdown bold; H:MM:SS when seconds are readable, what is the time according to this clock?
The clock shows **8:35:29**
